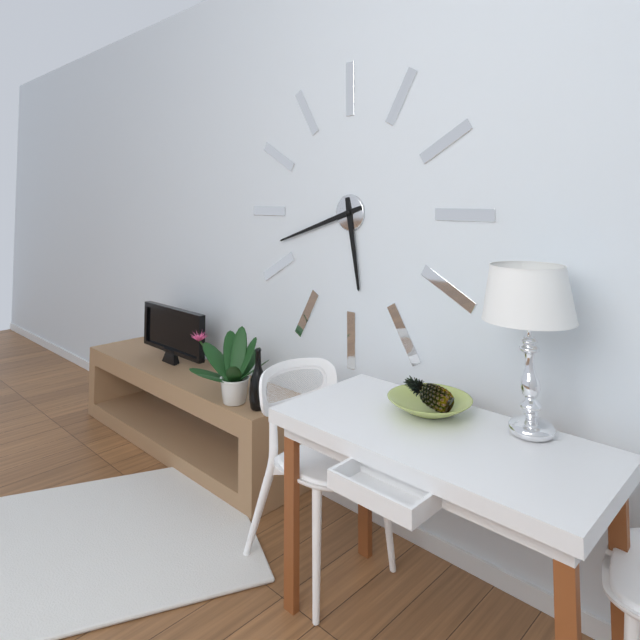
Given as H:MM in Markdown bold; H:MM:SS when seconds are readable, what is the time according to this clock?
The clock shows **5:42**
